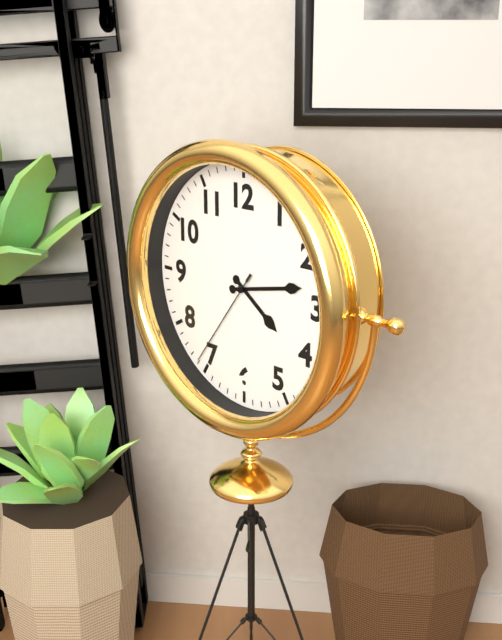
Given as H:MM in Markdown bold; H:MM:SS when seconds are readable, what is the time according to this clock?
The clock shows **4:13:36**
